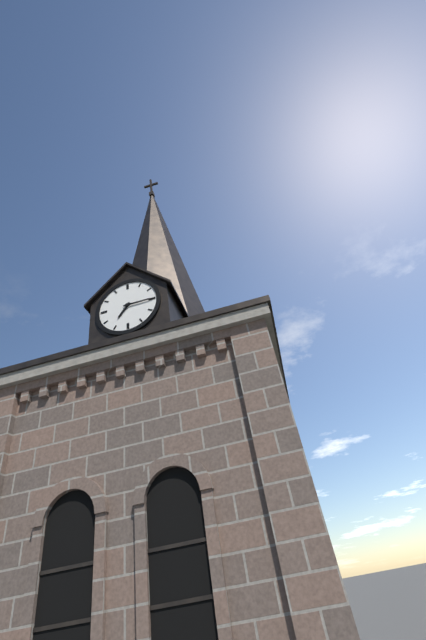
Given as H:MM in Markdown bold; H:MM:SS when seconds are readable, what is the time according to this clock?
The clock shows **7:15**
